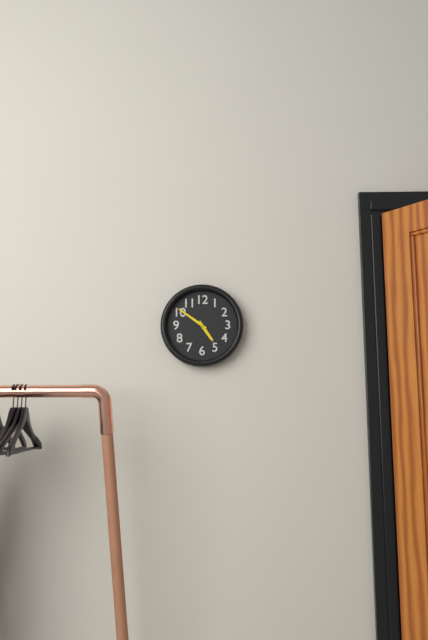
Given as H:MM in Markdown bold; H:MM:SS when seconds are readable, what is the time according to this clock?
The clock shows **4:51**
